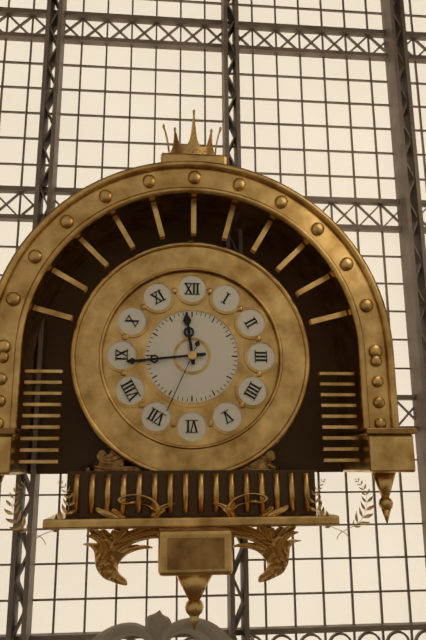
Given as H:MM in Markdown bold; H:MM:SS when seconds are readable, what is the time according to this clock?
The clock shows **11:44:34**
